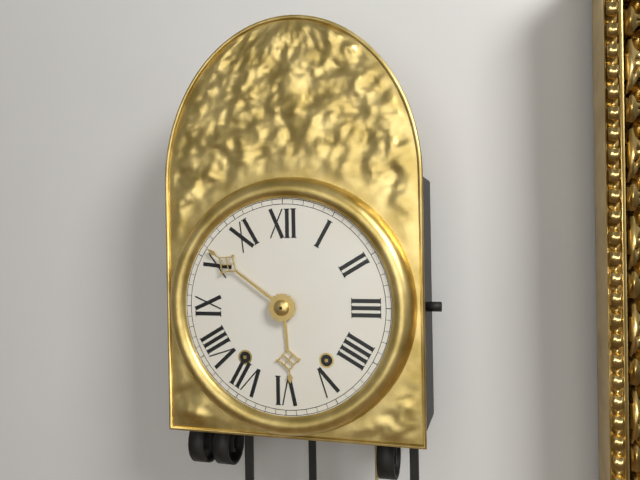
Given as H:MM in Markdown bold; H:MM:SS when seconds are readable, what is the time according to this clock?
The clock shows **5:51**
